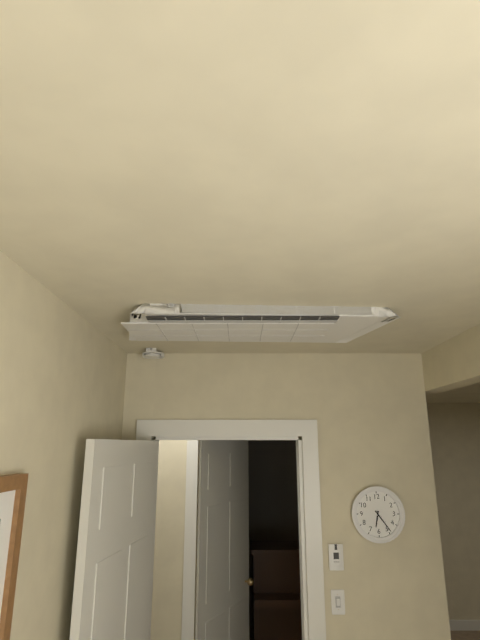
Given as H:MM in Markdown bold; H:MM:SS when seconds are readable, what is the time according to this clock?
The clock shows **6:24**
